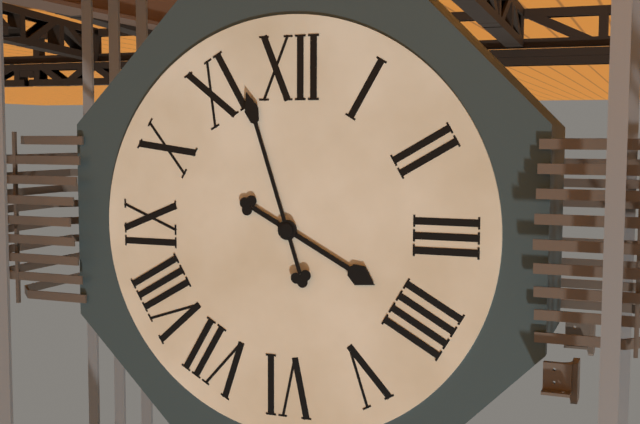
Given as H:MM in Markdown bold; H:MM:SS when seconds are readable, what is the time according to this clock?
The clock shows **3:57**
